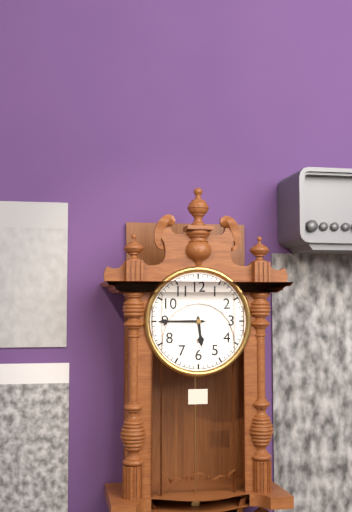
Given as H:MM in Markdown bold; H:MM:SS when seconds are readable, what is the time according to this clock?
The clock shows **5:45**
